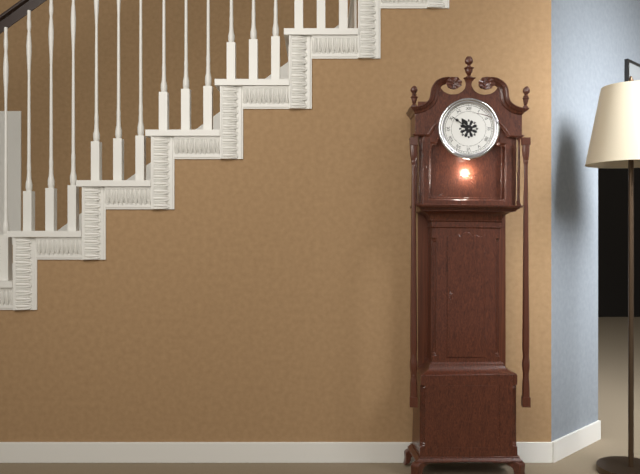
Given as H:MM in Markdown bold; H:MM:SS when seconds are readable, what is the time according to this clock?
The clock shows **10:51**
